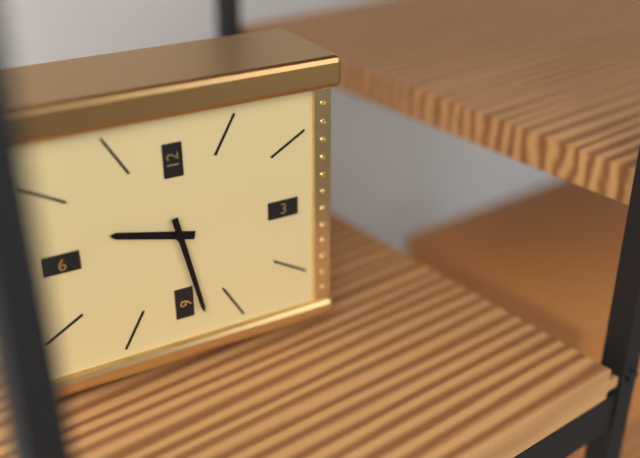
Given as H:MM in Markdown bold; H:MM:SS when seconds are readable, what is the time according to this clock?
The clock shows **9:28**
